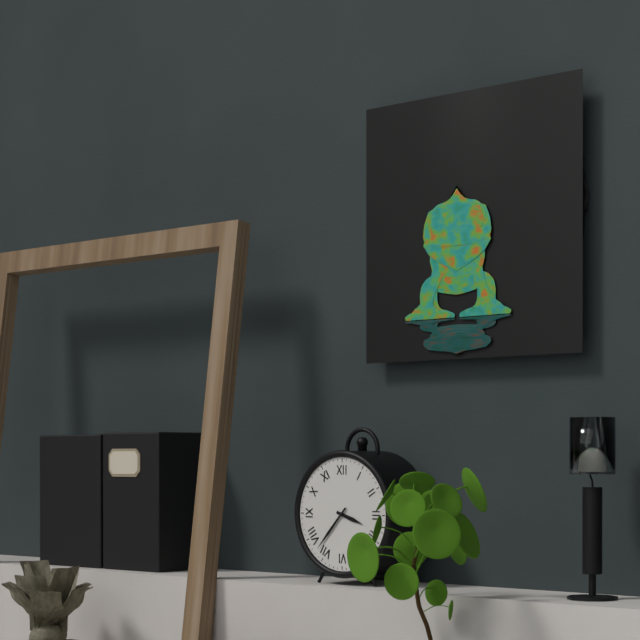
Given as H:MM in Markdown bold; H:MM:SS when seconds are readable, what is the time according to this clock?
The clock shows **3:37**
